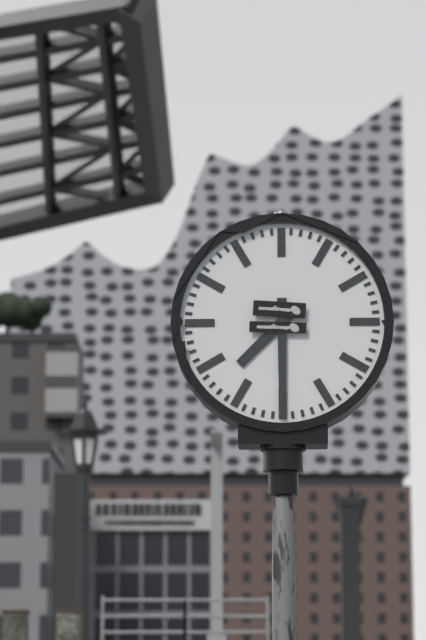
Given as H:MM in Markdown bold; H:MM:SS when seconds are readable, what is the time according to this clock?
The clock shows **7:30**
